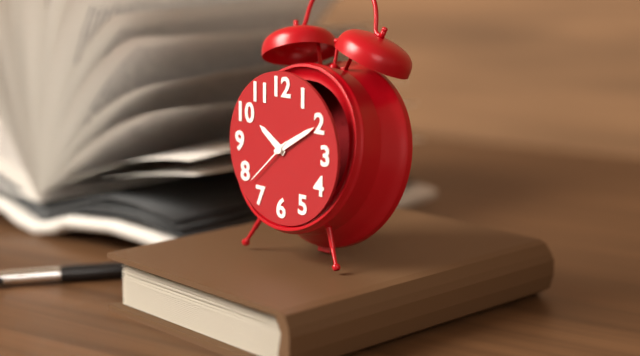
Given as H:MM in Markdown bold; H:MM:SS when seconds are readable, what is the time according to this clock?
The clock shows **10:10:38**
